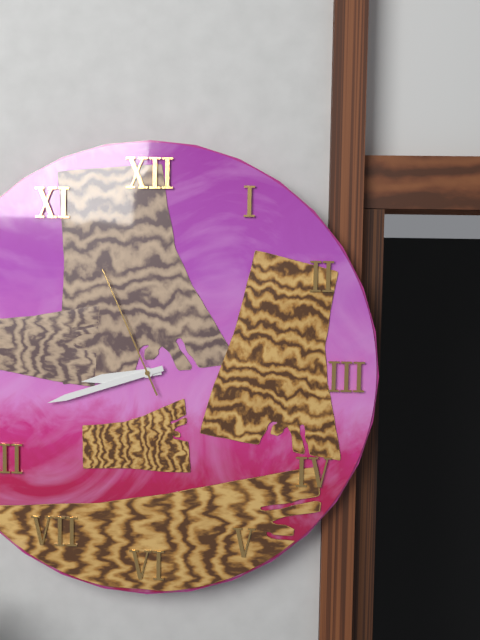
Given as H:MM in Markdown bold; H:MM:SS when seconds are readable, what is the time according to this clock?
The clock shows **8:42:56**
